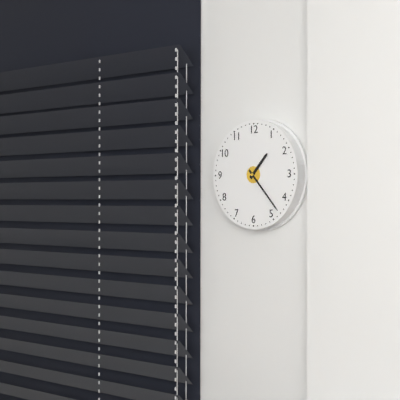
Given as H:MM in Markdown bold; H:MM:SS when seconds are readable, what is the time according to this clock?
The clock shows **1:23**
